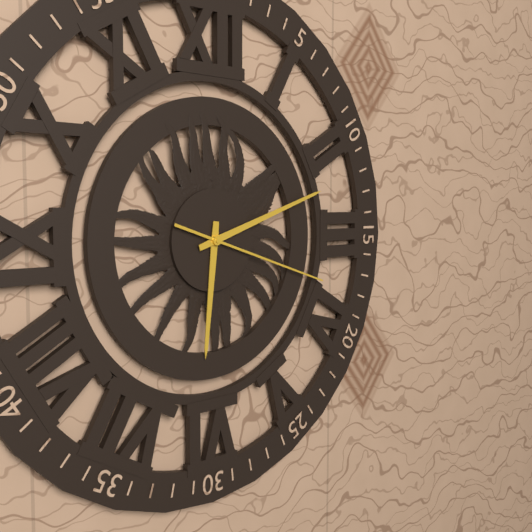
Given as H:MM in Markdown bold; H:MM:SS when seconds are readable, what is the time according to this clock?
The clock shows **6:12:18**
